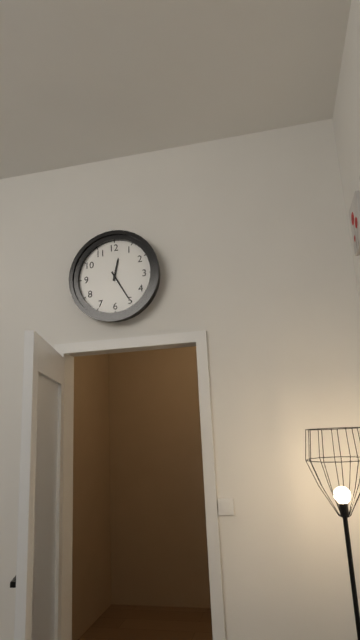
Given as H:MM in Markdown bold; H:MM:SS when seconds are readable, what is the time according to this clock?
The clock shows **12:25**
